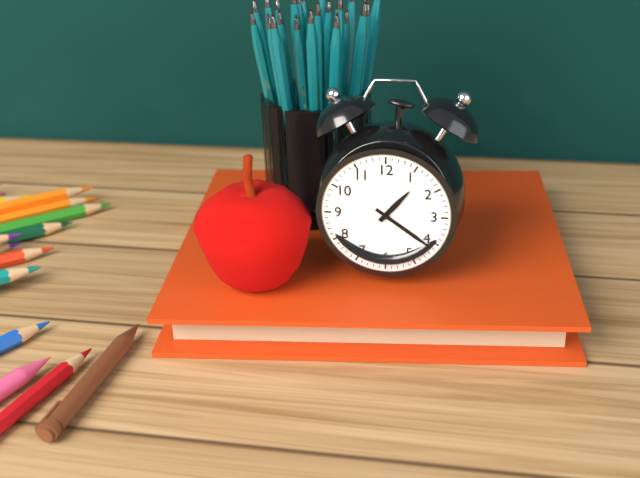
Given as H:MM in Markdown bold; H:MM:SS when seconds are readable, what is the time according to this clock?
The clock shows **1:21**
